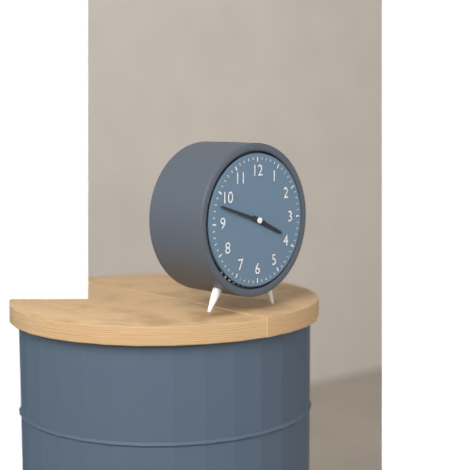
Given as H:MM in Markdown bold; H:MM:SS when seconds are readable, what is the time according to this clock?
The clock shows **3:48**
